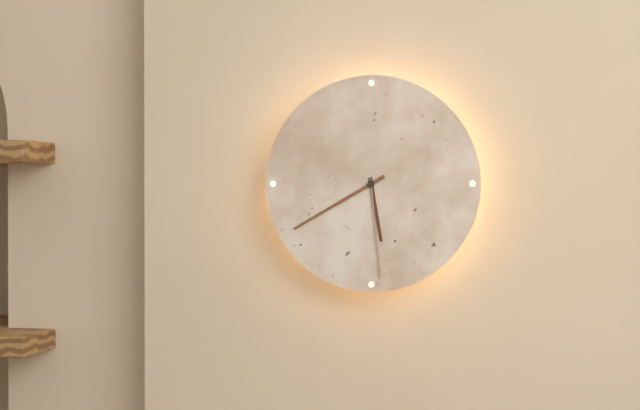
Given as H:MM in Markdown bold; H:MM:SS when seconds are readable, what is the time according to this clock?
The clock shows **5:40:29**
